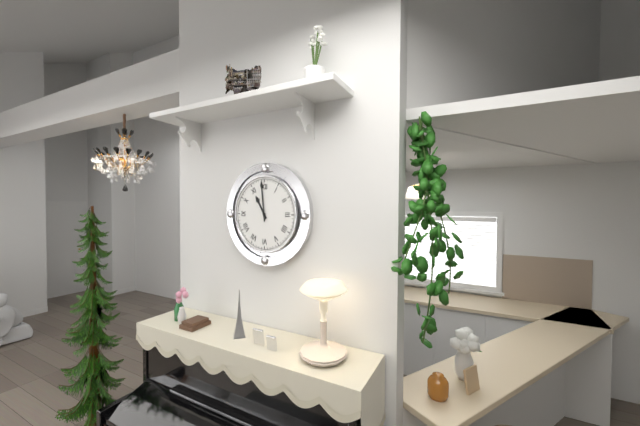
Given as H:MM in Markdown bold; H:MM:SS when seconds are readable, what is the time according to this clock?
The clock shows **10:59**
